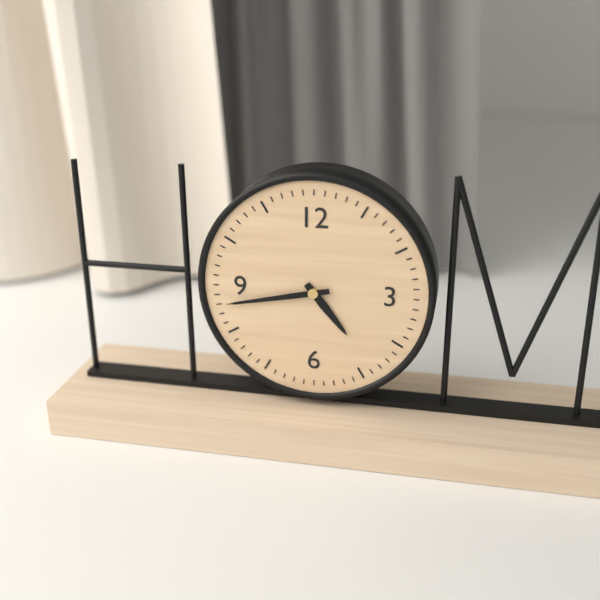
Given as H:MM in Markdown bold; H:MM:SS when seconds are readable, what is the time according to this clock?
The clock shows **4:43**
